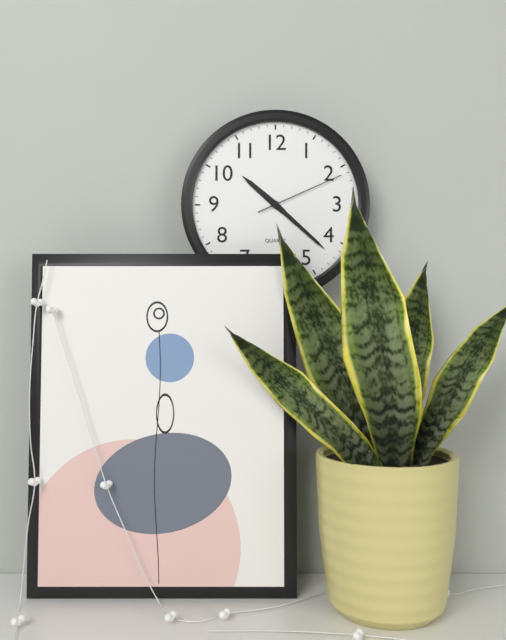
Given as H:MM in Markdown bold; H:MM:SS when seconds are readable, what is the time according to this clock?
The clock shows **10:22:11**
